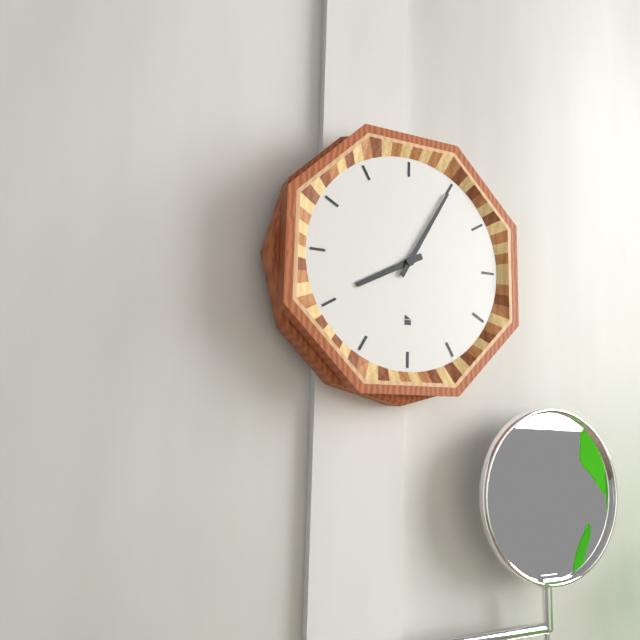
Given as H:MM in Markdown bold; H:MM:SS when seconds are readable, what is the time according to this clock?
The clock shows **8:05**
